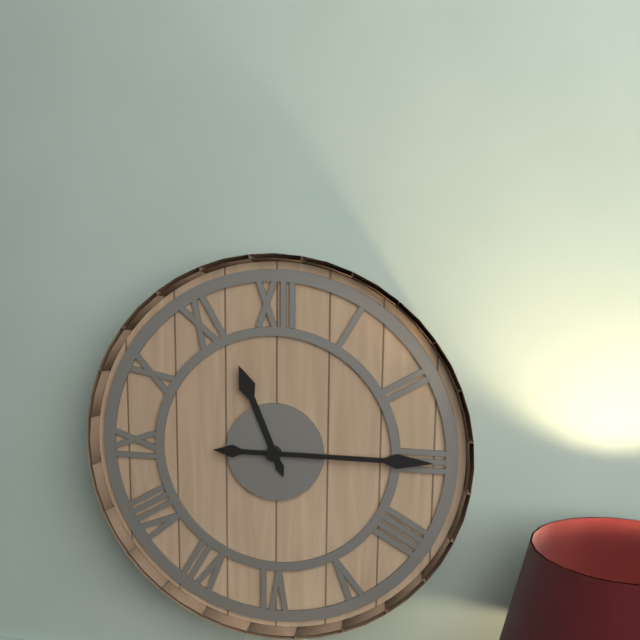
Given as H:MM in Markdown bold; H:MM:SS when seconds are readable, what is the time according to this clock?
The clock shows **11:15**
